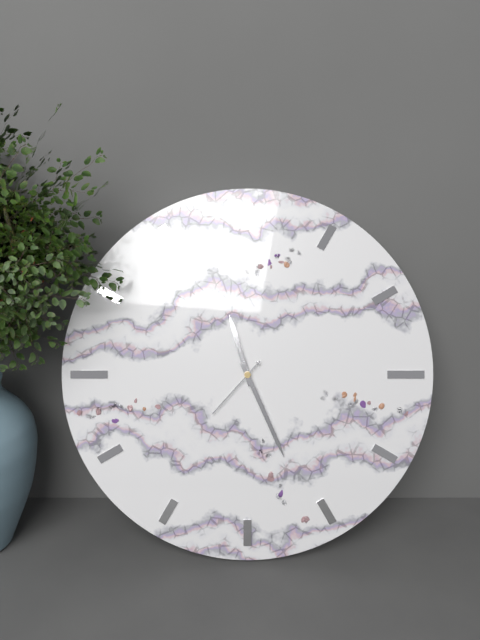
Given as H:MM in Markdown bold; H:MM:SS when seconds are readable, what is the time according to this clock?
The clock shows **11:26:37**
